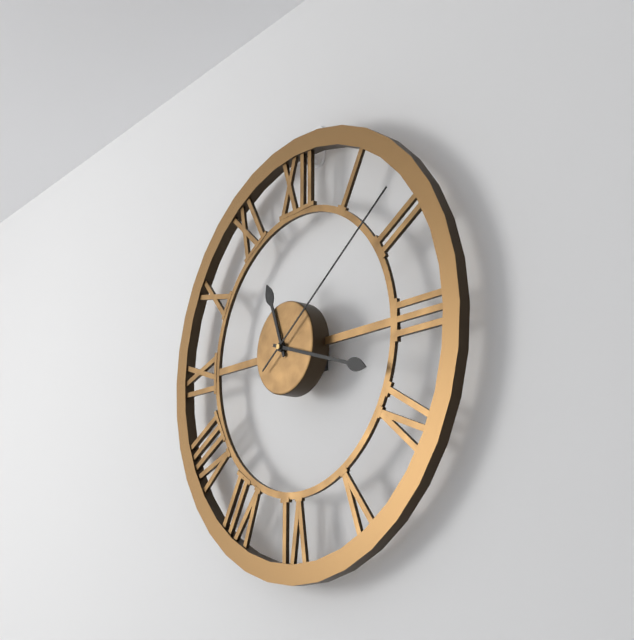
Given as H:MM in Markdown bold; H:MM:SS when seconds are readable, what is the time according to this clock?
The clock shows **11:18:09**
